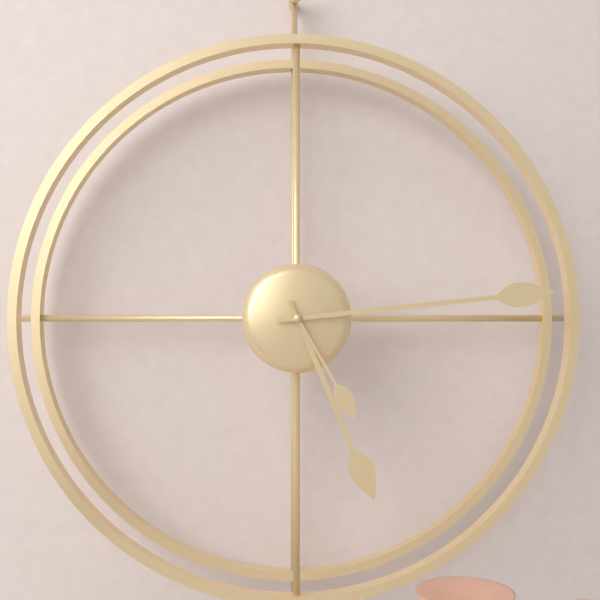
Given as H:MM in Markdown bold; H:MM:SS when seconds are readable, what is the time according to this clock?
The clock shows **5:14:25**
